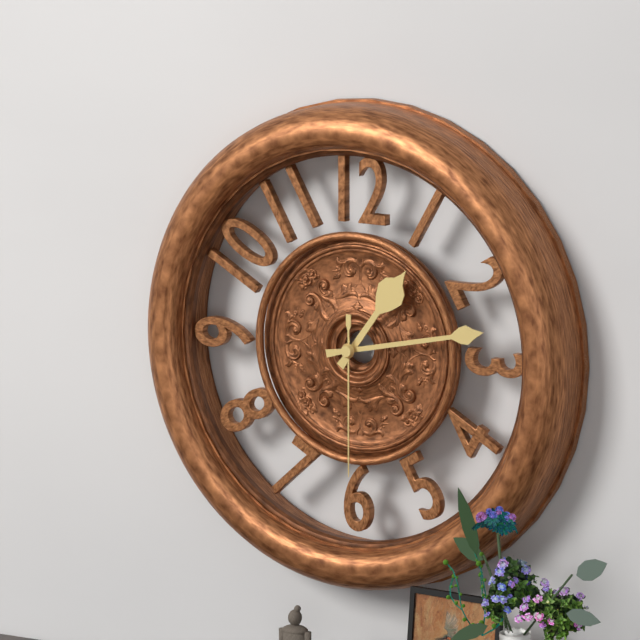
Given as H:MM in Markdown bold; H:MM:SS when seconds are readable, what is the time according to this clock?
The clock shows **1:13:30**
